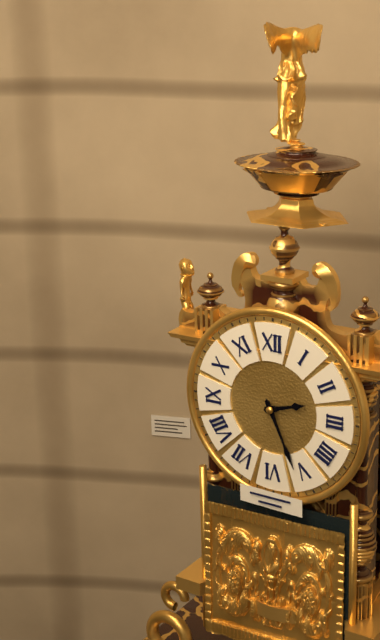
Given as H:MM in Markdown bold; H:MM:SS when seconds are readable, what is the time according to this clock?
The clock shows **2:26**
